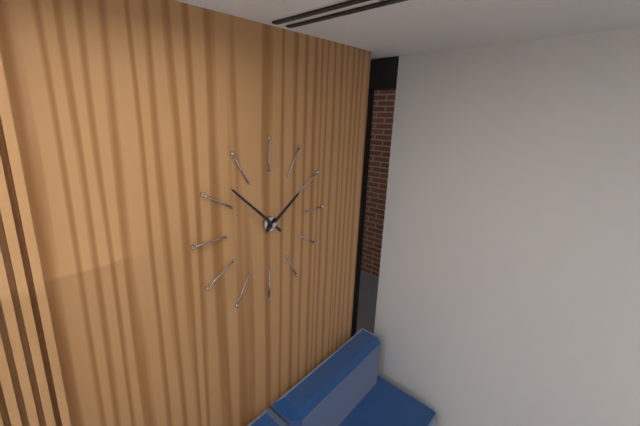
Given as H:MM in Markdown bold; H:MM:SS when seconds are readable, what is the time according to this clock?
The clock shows **1:52**
